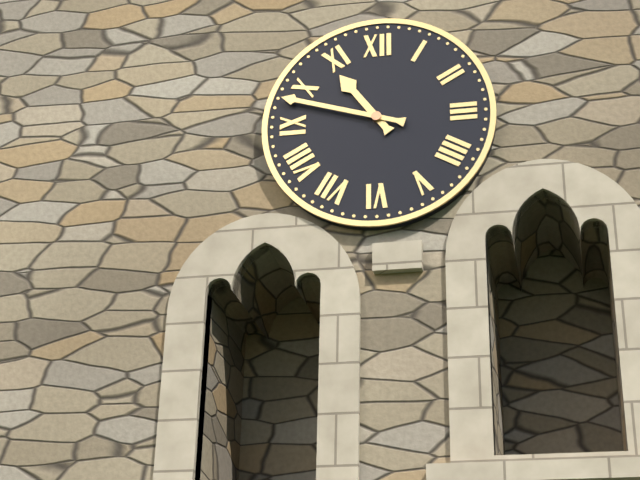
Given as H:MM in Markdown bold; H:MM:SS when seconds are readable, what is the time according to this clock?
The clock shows **10:48**
